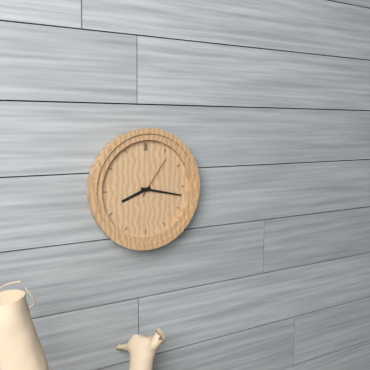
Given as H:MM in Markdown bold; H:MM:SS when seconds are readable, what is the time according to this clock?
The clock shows **8:17**
